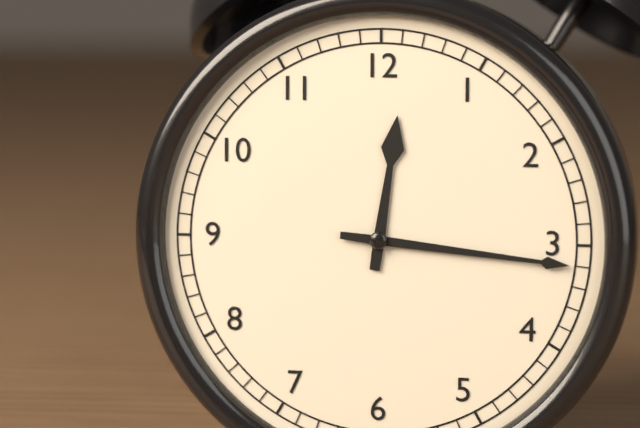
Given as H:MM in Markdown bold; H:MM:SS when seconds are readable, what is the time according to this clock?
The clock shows **12:16**
